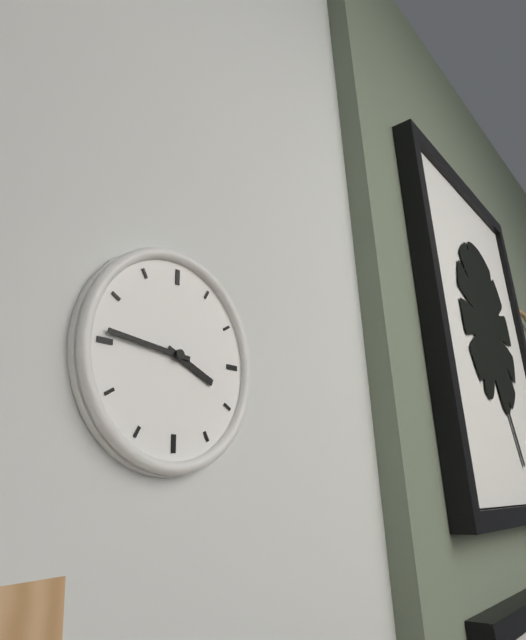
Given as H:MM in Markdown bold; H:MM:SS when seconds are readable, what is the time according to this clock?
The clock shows **3:46**
